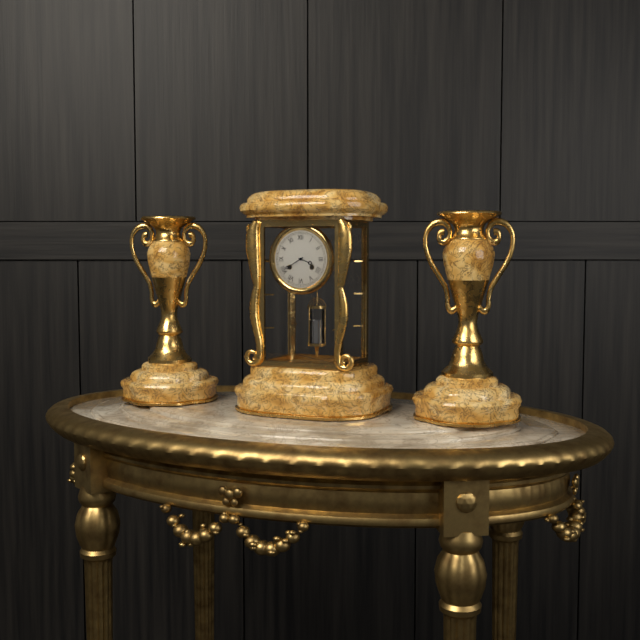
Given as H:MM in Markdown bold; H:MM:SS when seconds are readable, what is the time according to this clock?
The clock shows **3:40**
